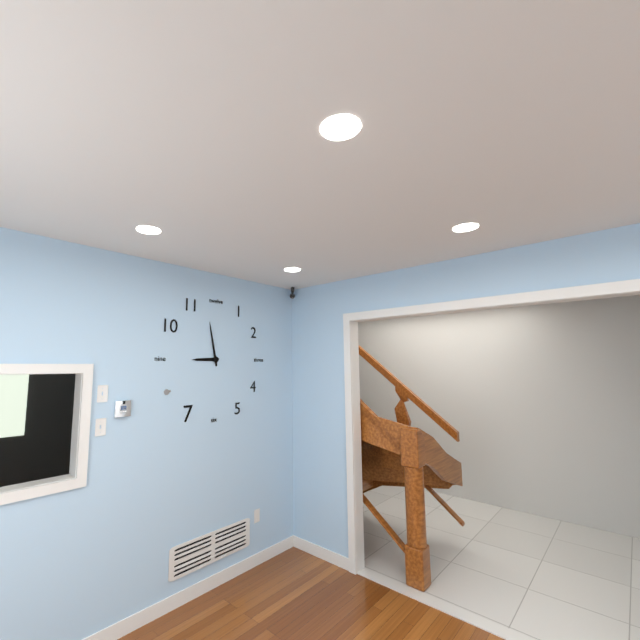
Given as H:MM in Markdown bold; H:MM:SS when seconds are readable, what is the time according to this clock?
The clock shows **8:58**
